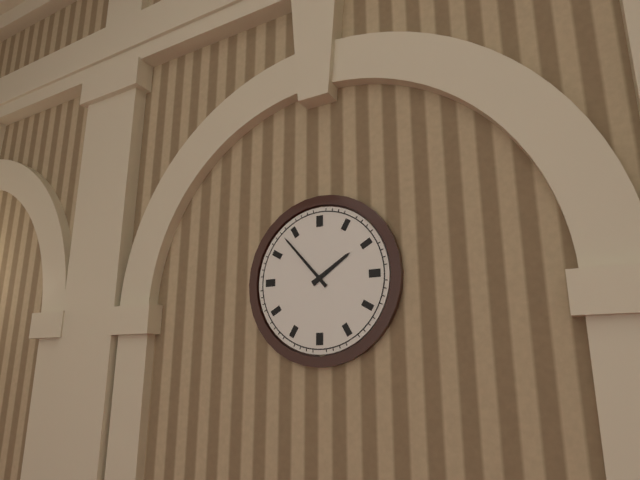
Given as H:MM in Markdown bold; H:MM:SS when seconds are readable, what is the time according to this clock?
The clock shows **1:53**
